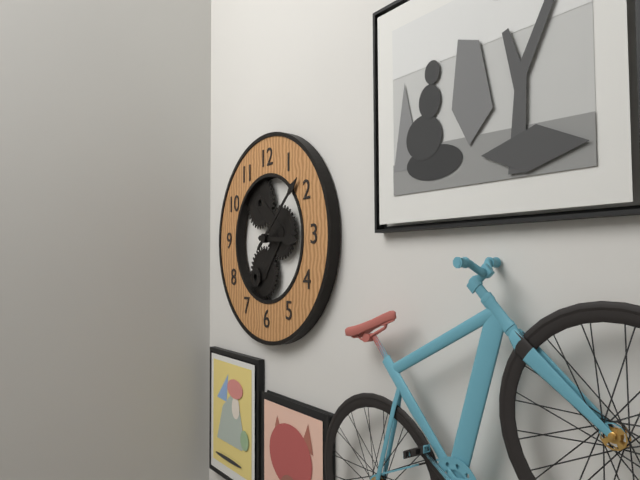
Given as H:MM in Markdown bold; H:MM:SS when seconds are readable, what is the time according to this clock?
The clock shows **3:08**
